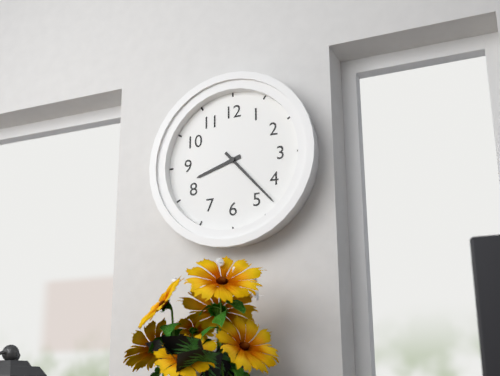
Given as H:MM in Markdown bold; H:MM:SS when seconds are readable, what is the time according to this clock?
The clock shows **8:23**
